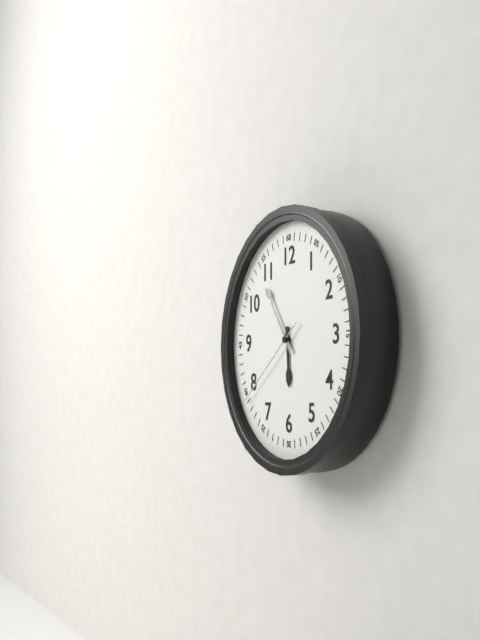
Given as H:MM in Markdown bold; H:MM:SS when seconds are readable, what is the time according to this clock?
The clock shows **5:54:39**
